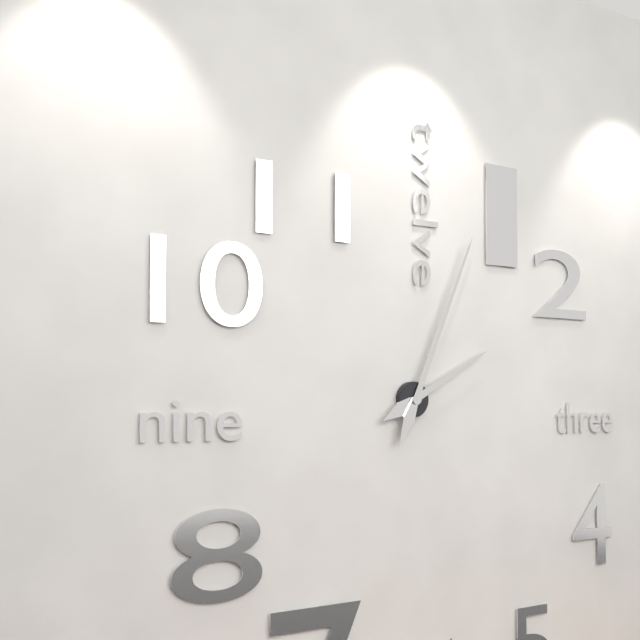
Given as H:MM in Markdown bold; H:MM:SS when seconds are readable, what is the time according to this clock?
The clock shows **2:04**
